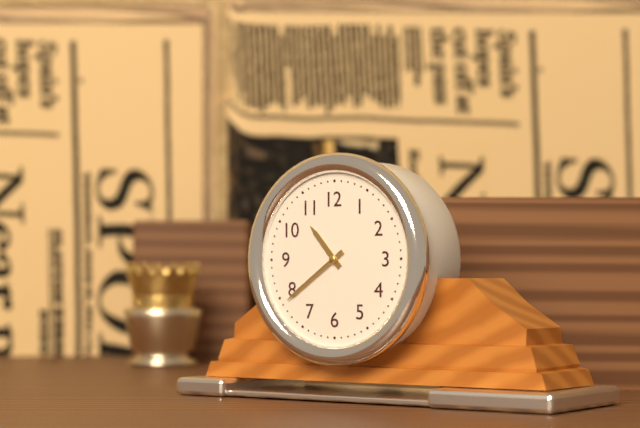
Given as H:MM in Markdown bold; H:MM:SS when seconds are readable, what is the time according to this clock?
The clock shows **10:39**
